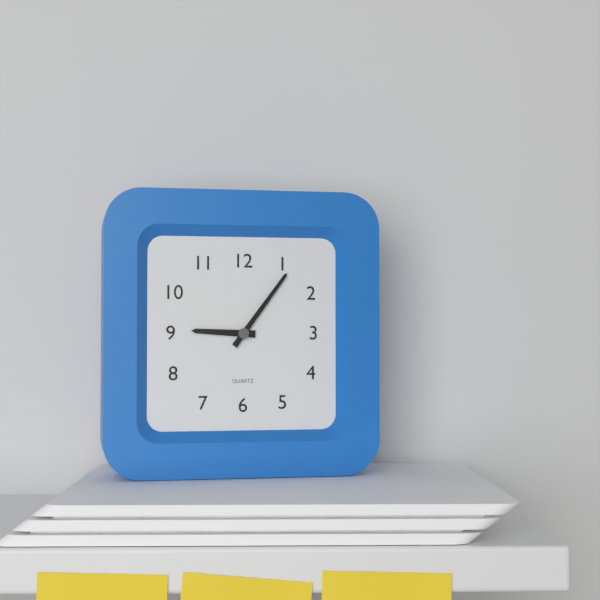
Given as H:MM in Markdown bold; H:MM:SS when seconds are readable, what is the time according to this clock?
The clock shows **9:06**
